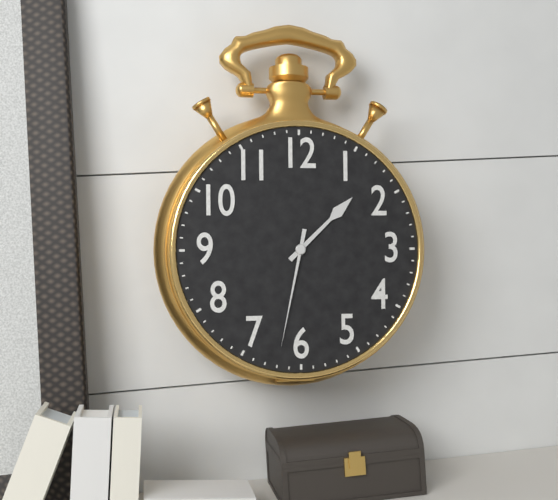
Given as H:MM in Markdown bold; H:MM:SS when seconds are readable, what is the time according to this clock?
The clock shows **1:32**
